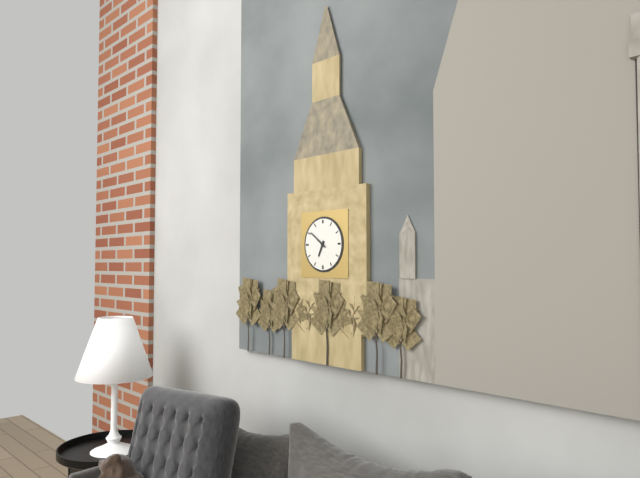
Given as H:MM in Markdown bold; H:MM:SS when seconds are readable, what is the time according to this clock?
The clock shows **6:51**
